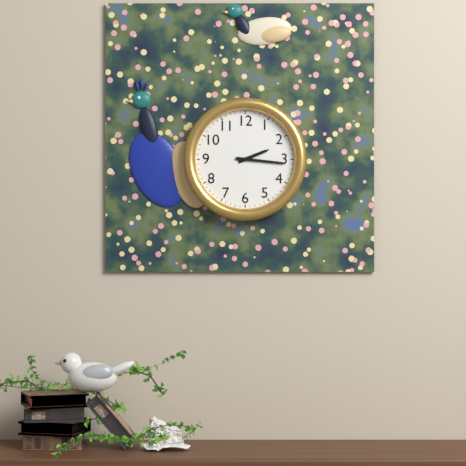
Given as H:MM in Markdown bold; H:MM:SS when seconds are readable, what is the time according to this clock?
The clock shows **2:16**
